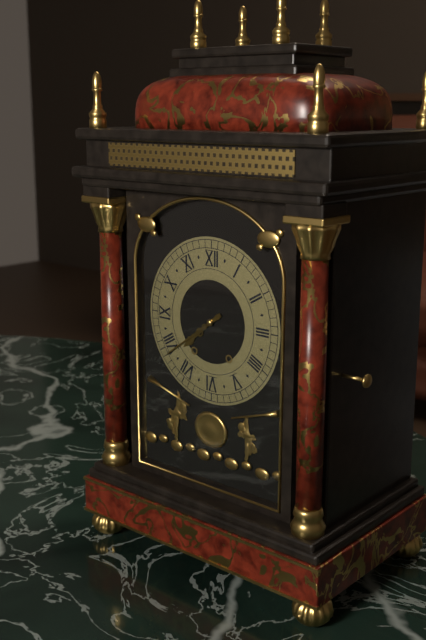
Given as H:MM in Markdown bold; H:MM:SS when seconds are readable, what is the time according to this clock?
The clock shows **7:39**
